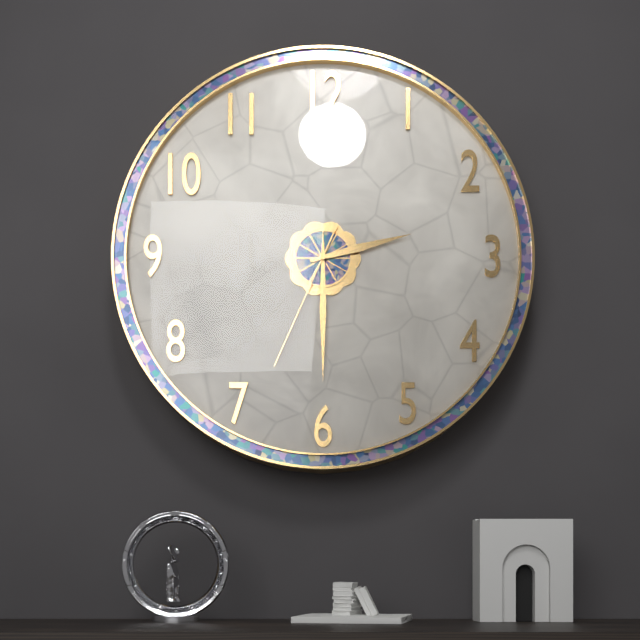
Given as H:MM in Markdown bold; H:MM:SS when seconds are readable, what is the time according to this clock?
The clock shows **2:30:34**
